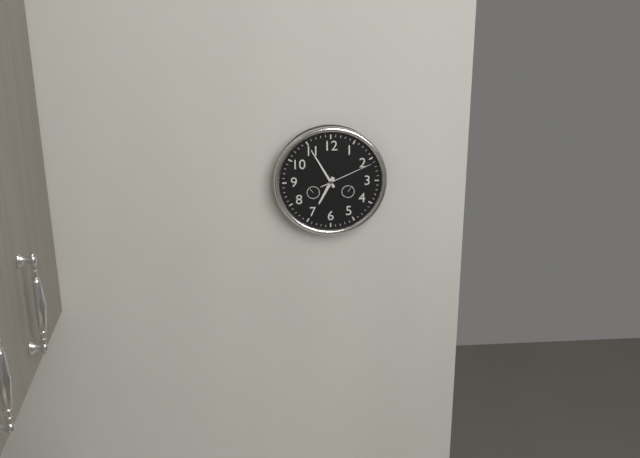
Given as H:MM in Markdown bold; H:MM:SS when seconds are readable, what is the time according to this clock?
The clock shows **6:55:11**
